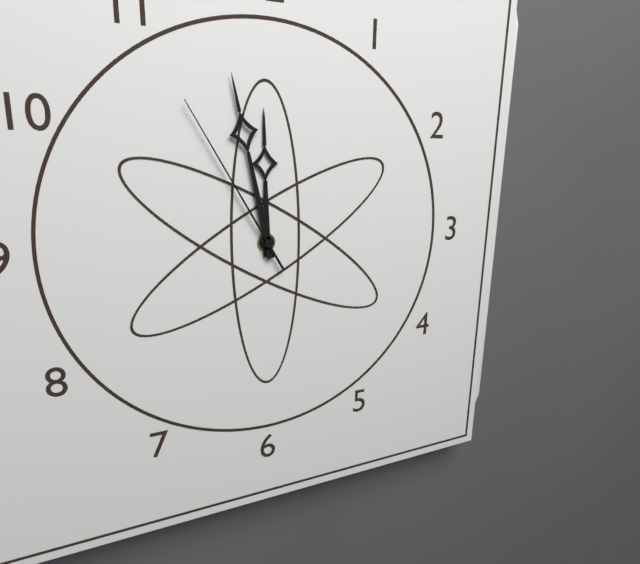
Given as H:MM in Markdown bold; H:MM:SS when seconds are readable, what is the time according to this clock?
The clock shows **11:58:55**
